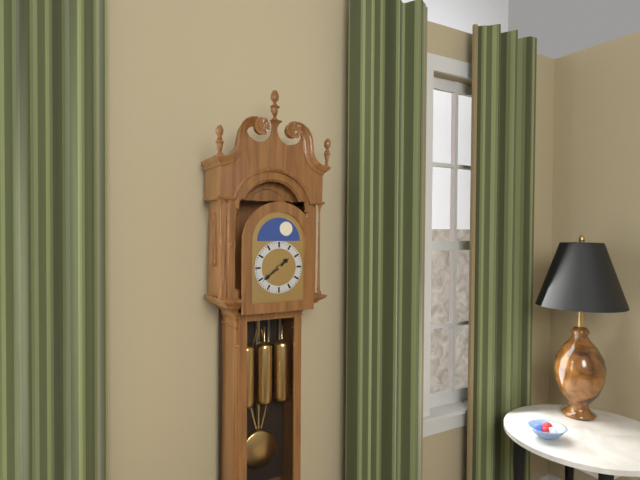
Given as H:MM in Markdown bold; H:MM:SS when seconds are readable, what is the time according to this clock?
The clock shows **1:39**
